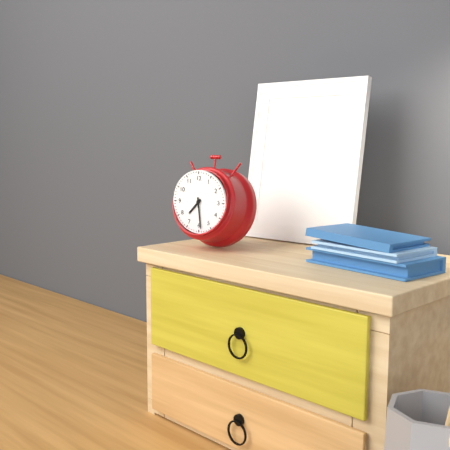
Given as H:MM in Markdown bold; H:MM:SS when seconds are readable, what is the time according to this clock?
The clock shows **7:29**
